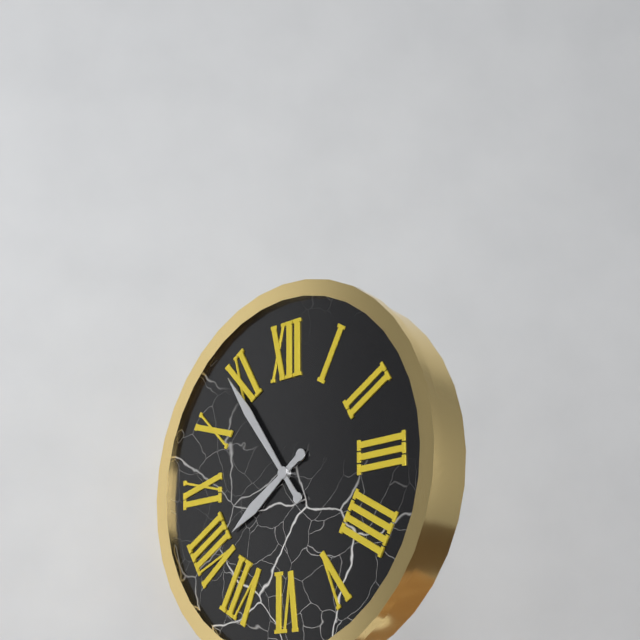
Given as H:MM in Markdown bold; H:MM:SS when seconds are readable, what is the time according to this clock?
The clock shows **7:54**
